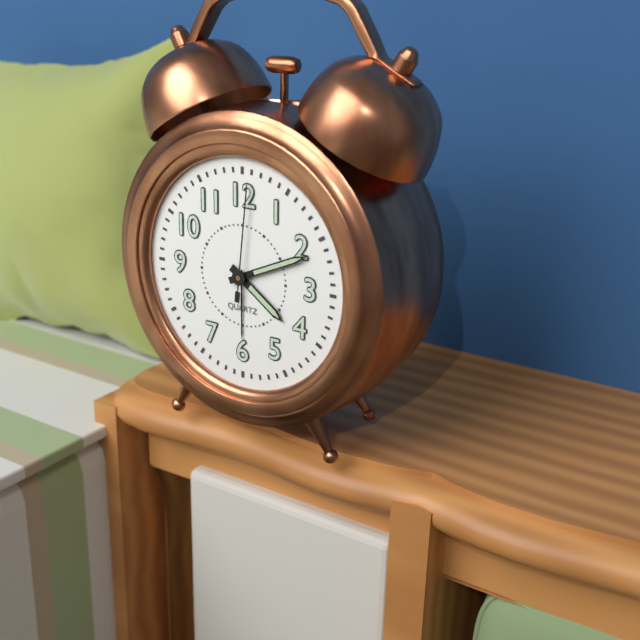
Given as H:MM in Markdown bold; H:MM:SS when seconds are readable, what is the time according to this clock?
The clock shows **4:11:01**
